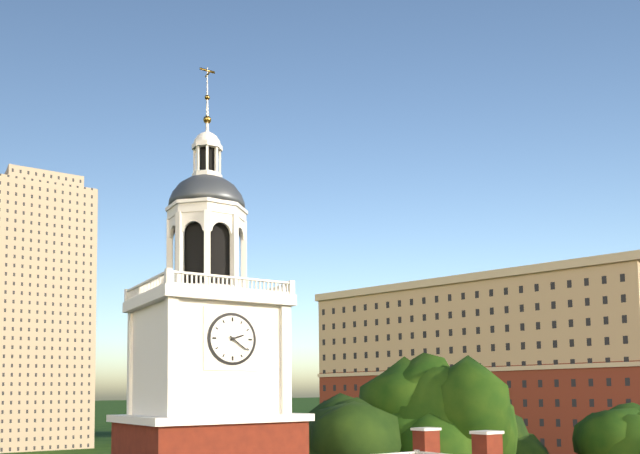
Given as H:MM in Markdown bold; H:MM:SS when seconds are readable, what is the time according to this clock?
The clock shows **2:21**
